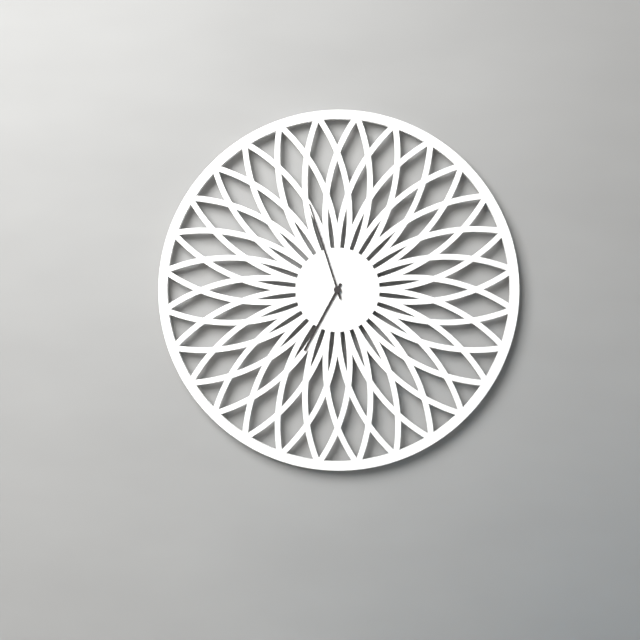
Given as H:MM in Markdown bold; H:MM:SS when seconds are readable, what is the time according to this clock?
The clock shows **6:57**
